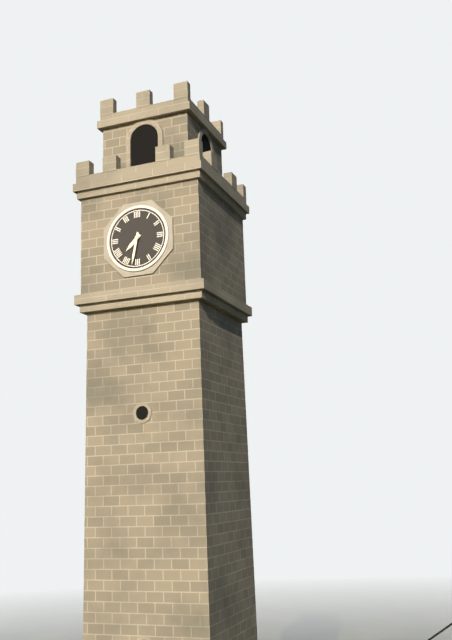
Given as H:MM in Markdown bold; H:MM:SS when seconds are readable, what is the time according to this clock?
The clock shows **7:32**
